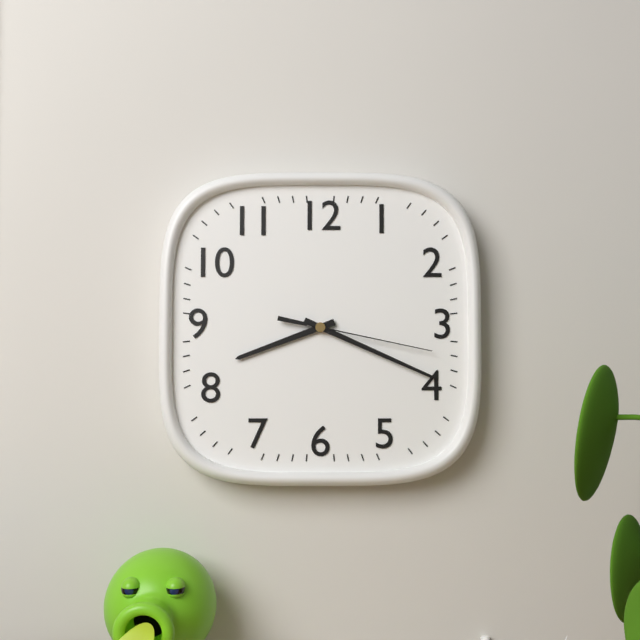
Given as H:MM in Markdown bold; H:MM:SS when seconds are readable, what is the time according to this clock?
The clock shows **8:19:17**
